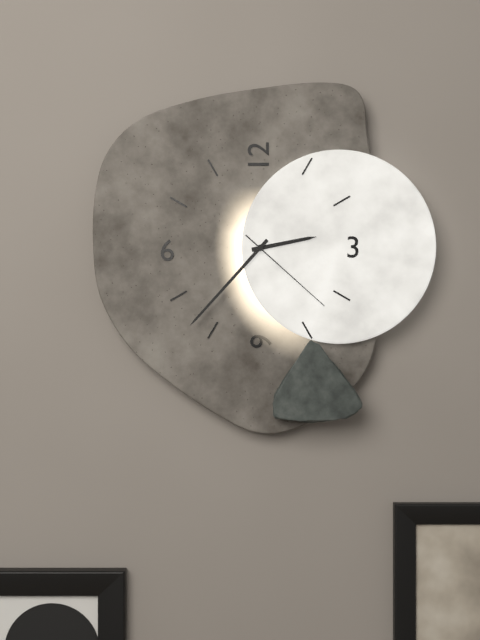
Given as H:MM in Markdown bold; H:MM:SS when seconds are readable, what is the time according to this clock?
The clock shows **2:37:22**
